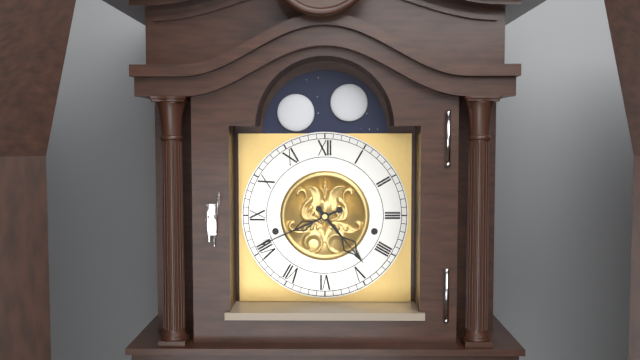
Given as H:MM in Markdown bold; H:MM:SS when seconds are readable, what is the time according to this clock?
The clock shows **4:41**
